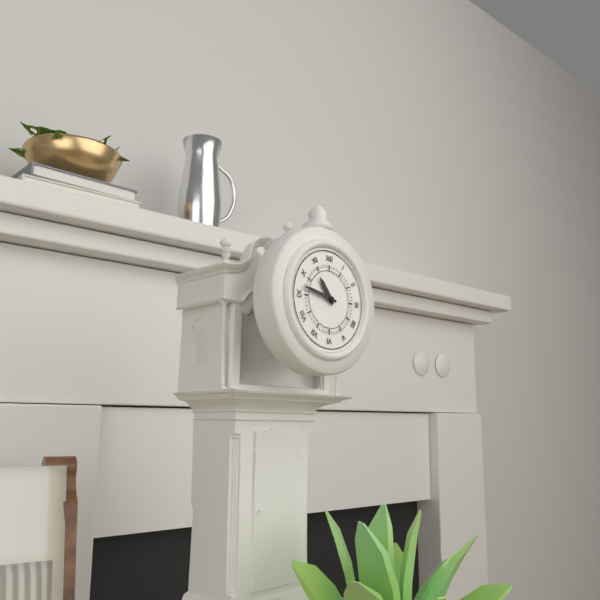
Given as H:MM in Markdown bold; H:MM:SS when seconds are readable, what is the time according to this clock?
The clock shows **10:47**
